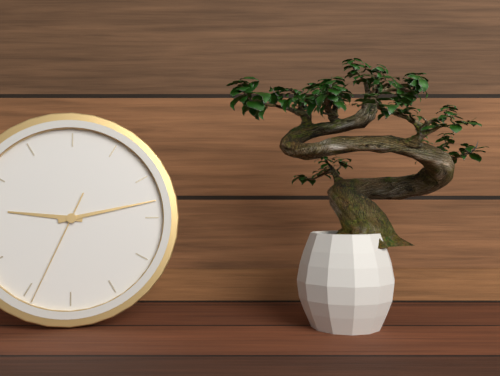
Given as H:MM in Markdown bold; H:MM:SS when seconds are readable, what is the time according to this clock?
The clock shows **9:13:34**
